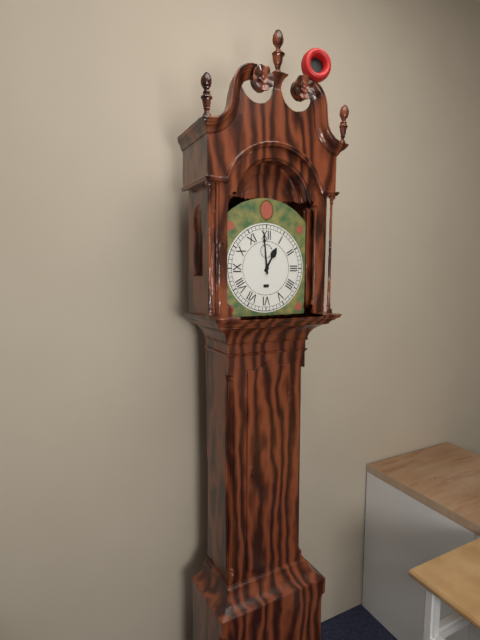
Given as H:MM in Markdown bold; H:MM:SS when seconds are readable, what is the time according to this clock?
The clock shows **12:59**
